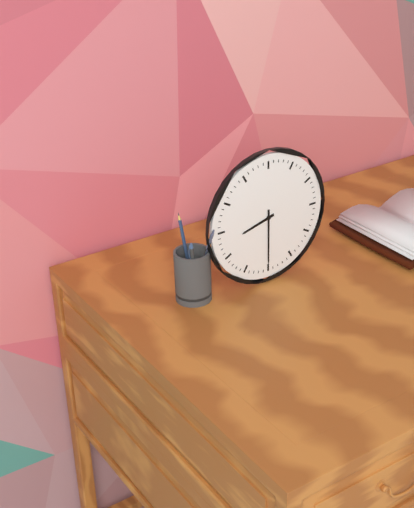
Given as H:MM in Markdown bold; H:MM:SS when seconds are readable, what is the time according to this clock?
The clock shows **8:30**
